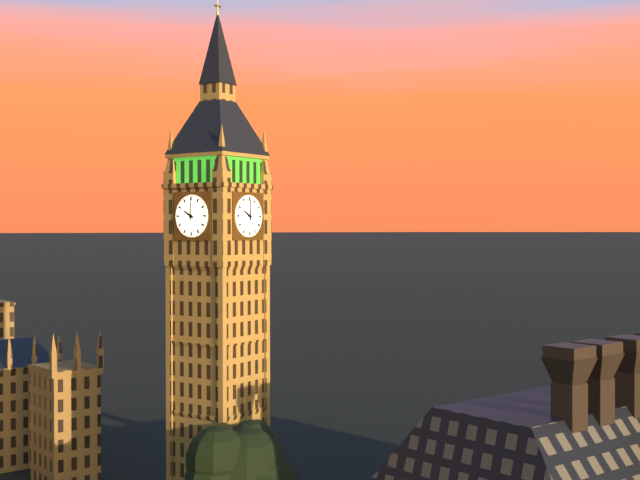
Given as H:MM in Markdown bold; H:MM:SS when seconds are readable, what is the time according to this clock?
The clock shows **10:00**
